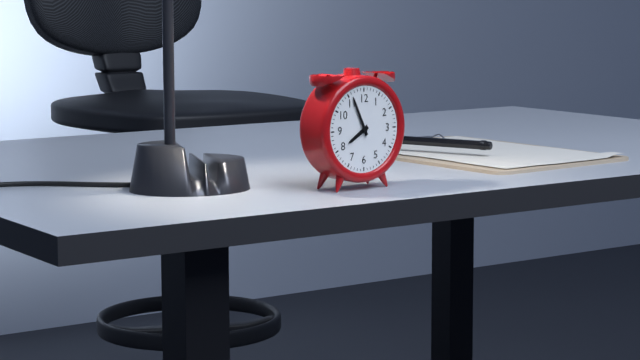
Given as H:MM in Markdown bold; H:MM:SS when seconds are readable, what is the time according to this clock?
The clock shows **7:56**
